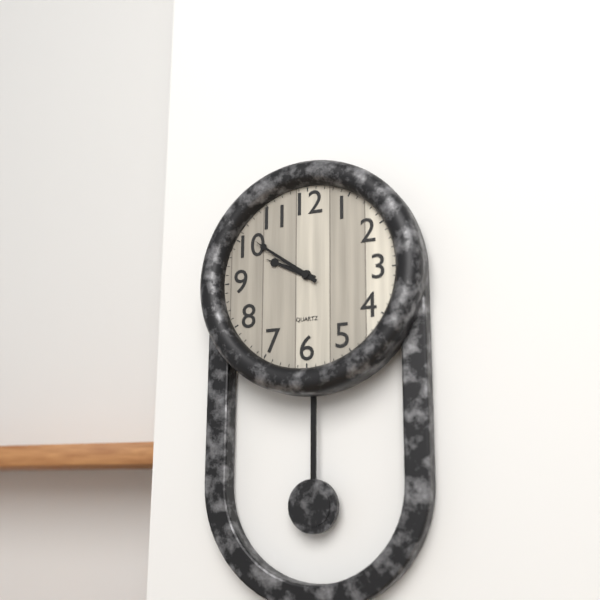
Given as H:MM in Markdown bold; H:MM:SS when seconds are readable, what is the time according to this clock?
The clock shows **9:51**
